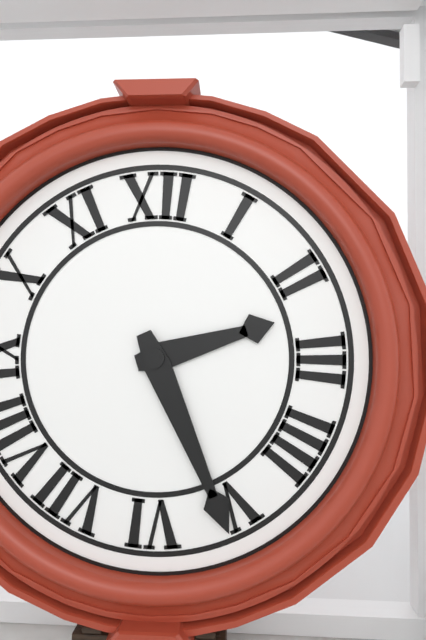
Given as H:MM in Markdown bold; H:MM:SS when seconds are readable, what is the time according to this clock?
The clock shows **2:26**
